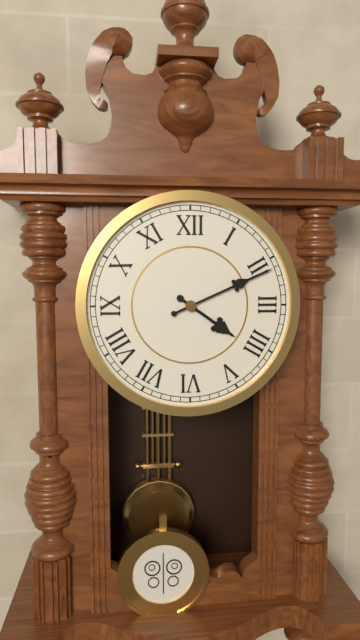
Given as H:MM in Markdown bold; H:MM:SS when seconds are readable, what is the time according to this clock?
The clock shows **4:11**
